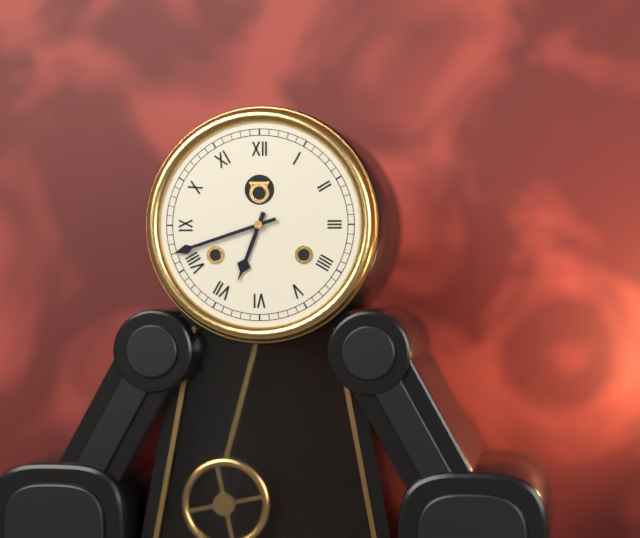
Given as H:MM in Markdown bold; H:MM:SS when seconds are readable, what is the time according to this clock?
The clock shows **6:42**
